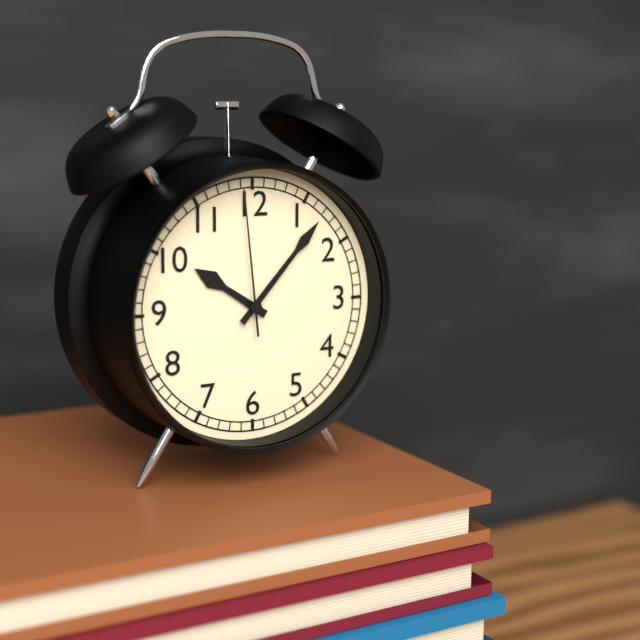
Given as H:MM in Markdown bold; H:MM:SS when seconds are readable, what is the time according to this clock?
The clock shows **10:07:59**
